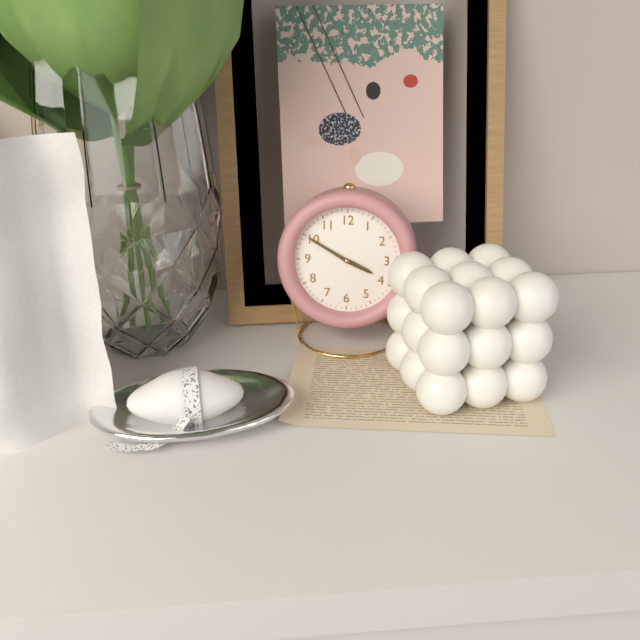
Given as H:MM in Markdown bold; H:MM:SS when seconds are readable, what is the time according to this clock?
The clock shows **3:50**
